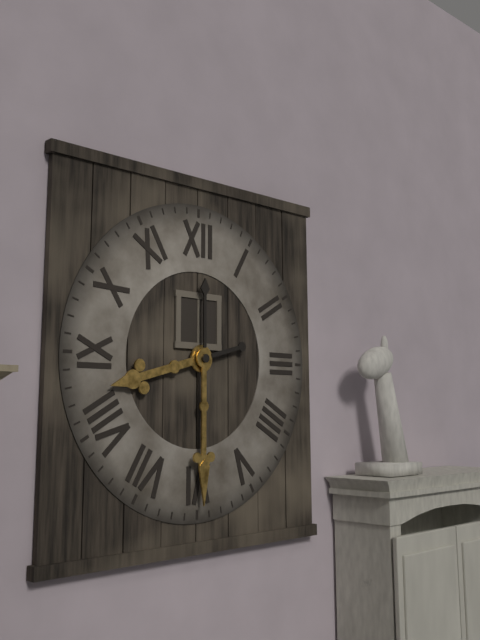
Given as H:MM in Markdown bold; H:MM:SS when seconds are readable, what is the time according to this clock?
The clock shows **8:30**
